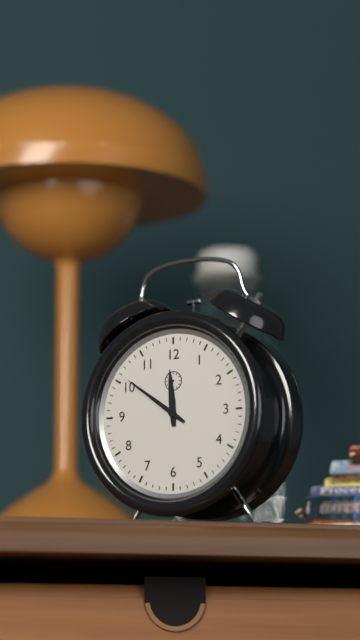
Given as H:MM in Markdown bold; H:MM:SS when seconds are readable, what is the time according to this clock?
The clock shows **11:51**
